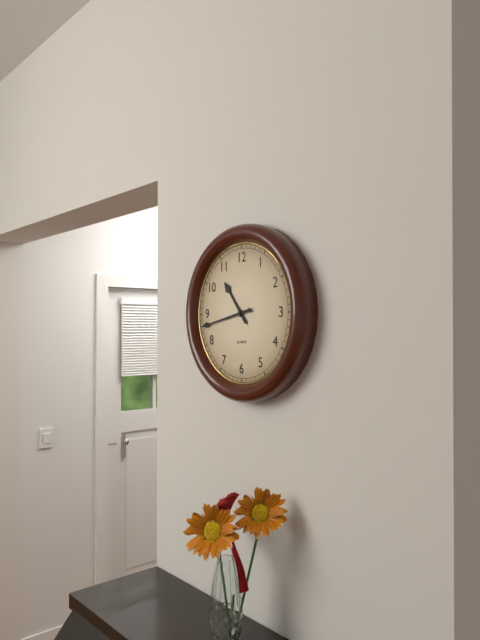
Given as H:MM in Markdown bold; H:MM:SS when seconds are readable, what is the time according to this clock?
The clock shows **10:43**
